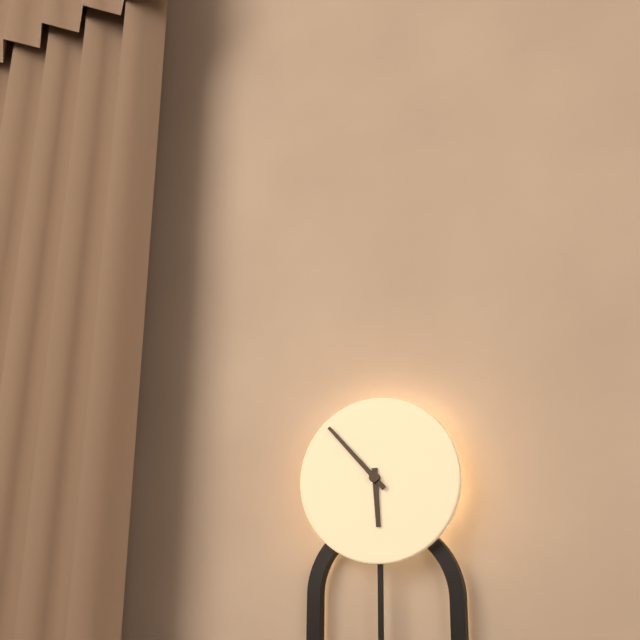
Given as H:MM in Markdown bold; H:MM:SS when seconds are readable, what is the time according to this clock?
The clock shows **5:53**
